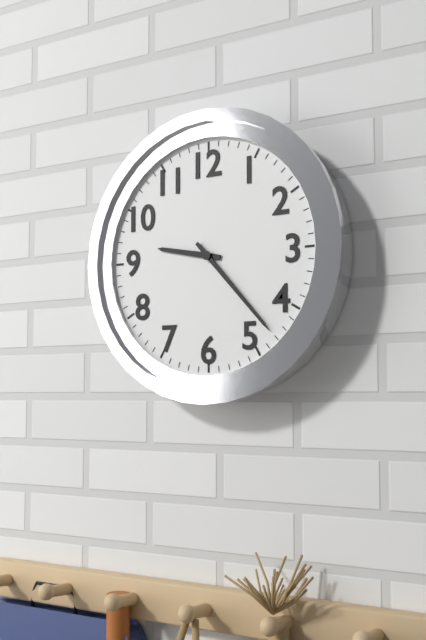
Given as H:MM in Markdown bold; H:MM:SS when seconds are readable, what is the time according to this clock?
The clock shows **9:23**
